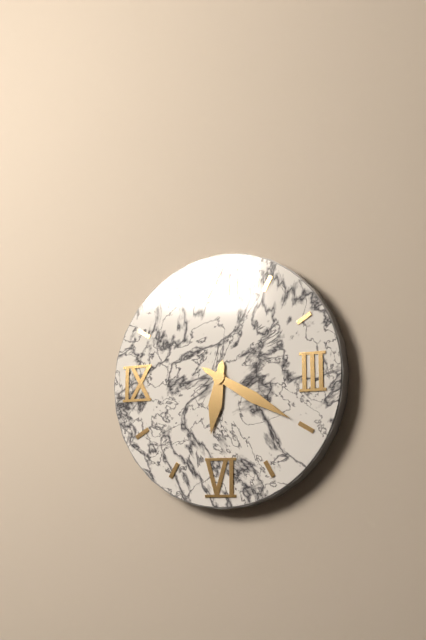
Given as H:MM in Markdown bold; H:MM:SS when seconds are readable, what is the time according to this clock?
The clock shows **6:20**
